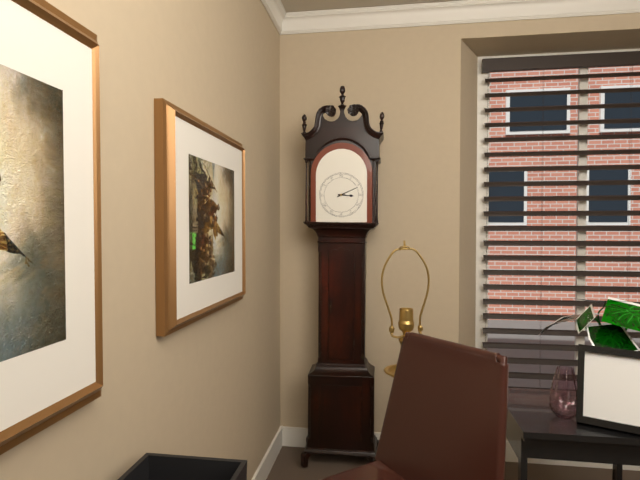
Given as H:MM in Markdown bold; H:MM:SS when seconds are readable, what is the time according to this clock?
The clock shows **3:11**
